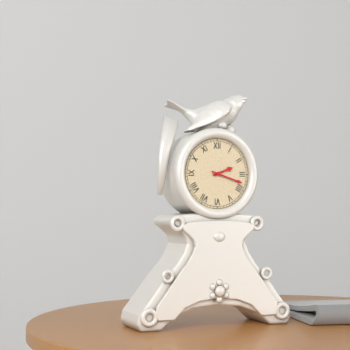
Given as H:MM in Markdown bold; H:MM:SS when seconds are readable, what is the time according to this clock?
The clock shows **2:18**
